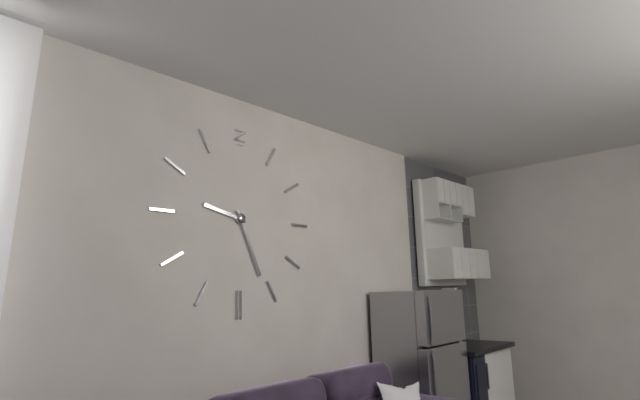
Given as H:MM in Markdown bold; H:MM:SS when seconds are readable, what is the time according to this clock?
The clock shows **9:26**
